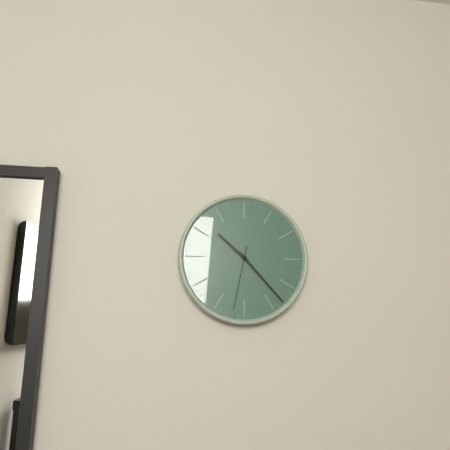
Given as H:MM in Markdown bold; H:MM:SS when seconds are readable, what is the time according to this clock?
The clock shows **10:23:32**
